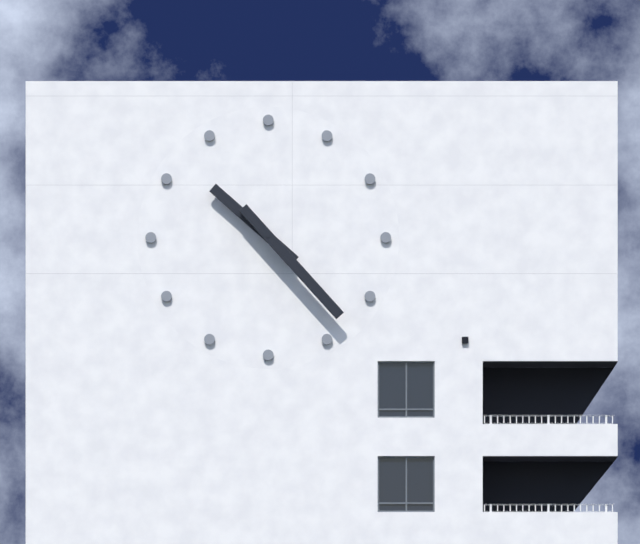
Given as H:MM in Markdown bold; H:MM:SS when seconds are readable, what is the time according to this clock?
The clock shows **10:23**
